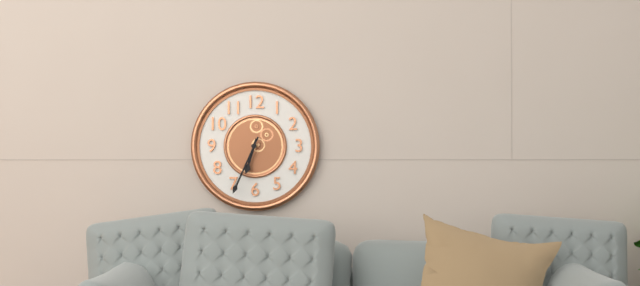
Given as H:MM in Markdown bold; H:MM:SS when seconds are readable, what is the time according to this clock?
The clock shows **6:34**
